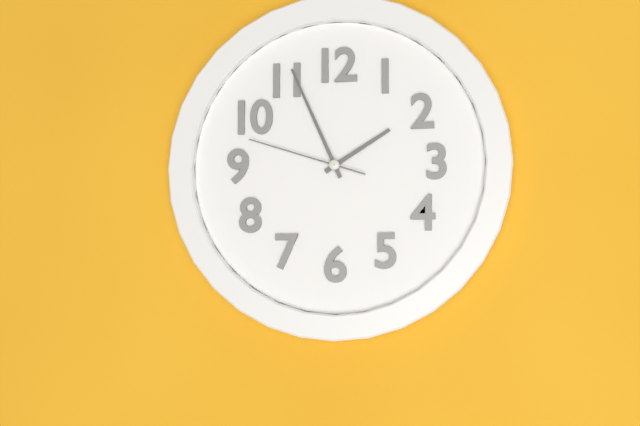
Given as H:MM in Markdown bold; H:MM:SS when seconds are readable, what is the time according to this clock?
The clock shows **1:56:48**
